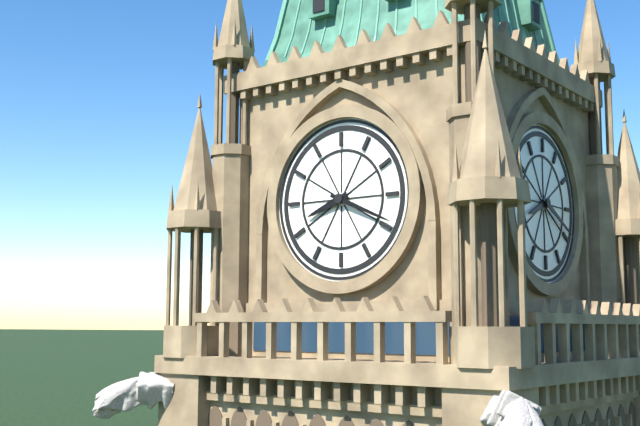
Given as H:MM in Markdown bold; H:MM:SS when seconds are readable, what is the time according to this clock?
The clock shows **8:19**
